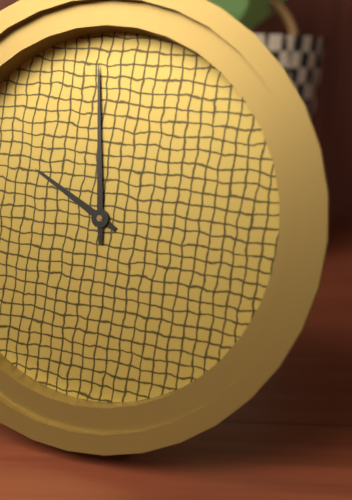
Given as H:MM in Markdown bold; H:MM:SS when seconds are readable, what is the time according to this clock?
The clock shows **9:59**
